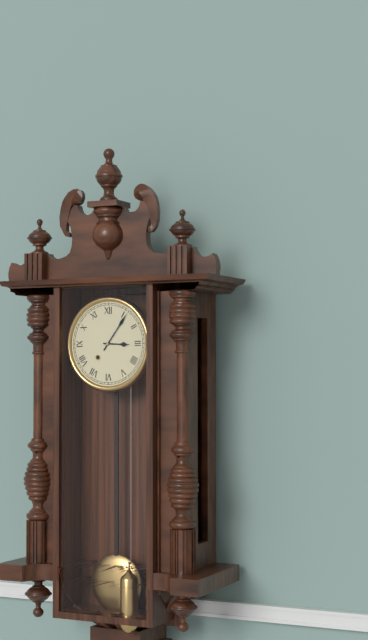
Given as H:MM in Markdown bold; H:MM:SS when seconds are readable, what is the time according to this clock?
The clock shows **3:06**
